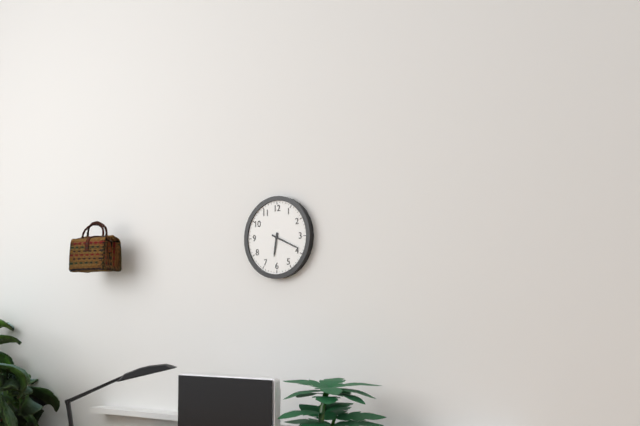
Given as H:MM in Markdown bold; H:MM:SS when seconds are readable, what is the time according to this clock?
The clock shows **6:19**
